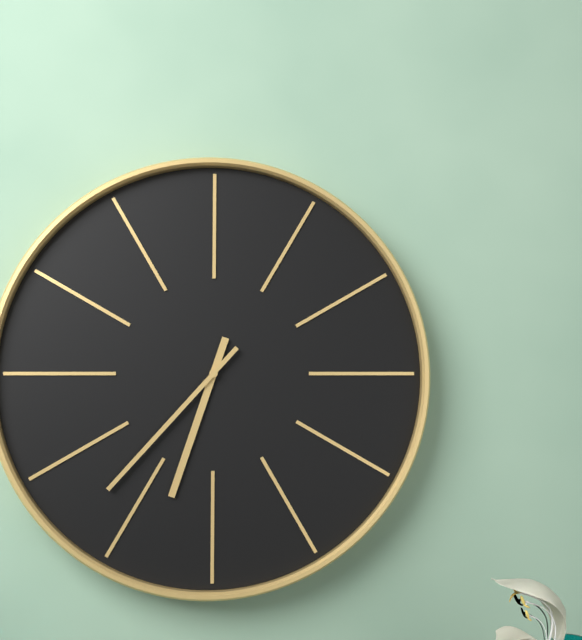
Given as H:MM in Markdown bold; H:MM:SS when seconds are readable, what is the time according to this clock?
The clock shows **6:37**
